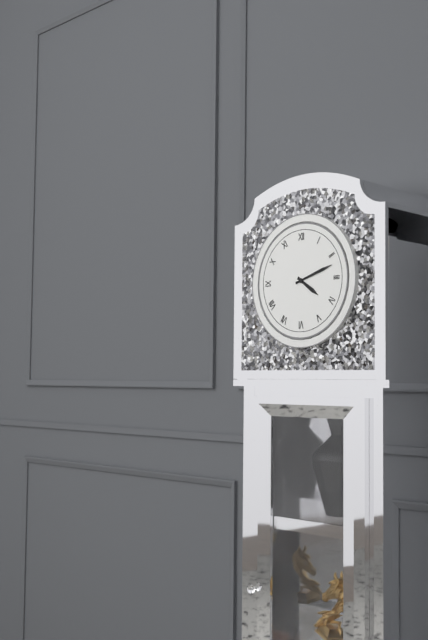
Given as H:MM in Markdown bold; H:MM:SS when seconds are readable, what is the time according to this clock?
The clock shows **4:12**
